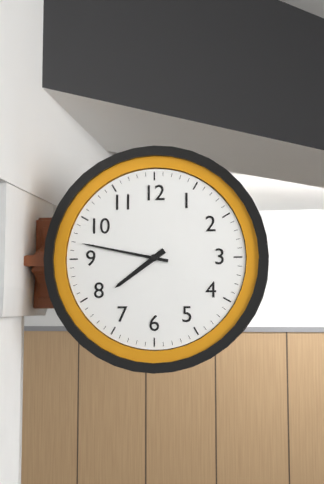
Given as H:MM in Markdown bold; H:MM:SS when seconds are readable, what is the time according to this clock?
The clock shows **7:47**
